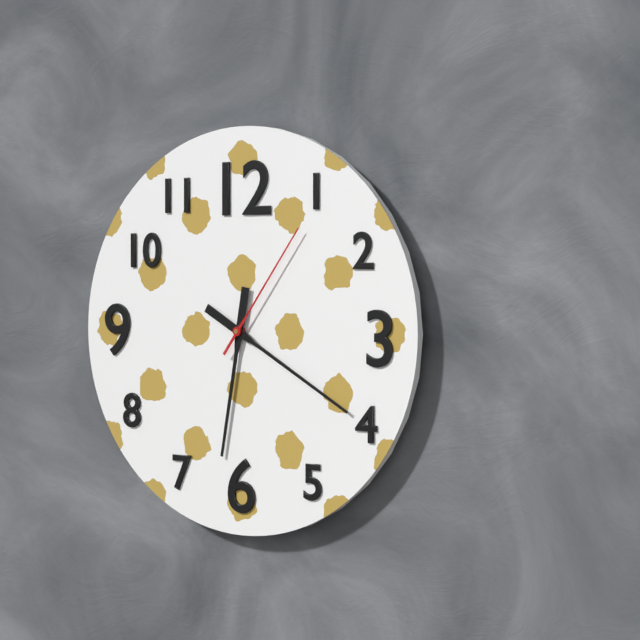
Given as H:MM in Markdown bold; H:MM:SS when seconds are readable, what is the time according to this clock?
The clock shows **6:20:06**
